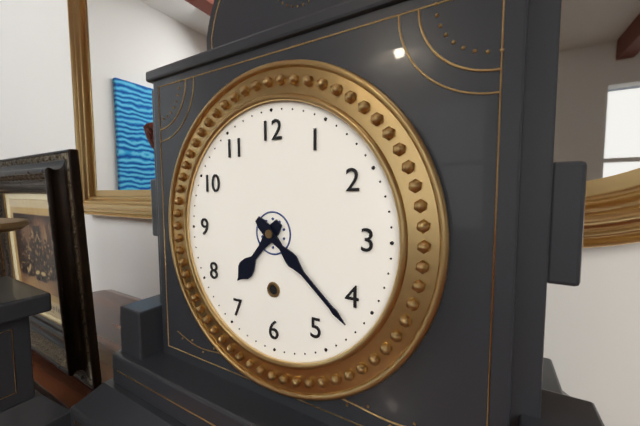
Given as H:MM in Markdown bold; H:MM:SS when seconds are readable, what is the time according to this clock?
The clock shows **7:22**
